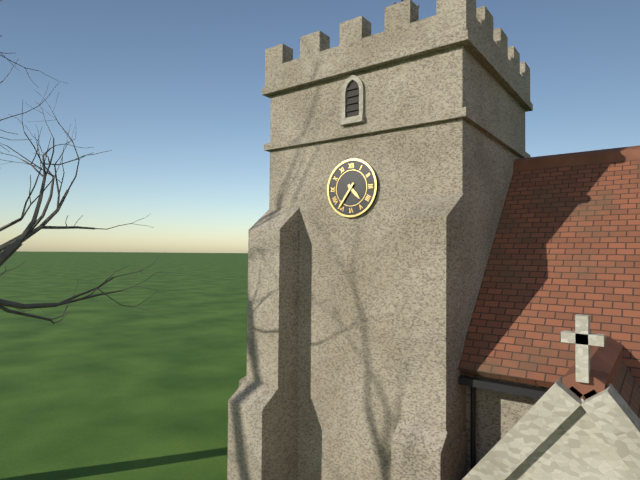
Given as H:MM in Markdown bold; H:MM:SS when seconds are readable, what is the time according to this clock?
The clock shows **4:36**
